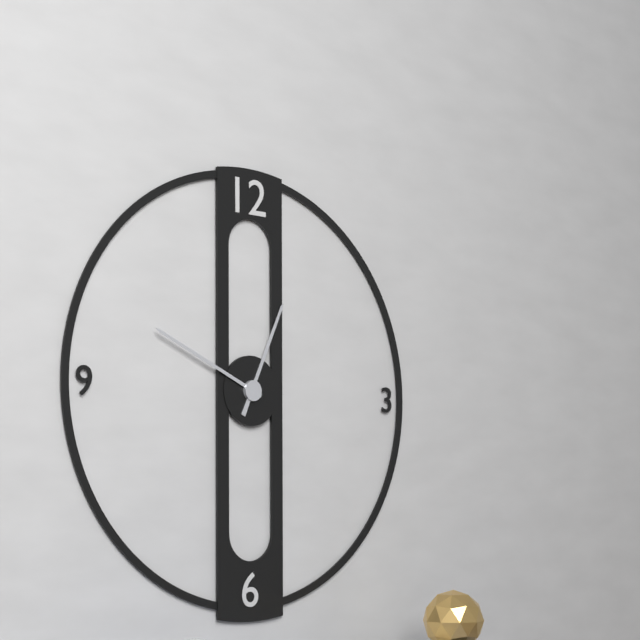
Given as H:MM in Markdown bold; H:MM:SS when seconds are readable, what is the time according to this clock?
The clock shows **12:49**
